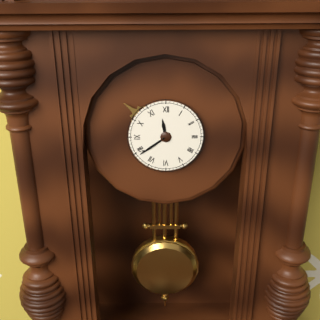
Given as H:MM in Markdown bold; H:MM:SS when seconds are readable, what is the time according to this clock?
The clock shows **11:39**
